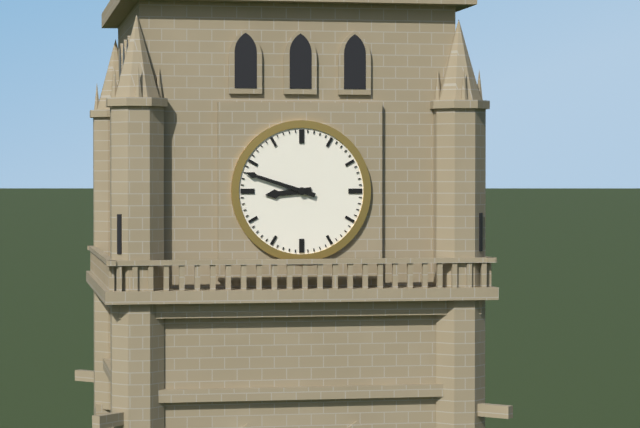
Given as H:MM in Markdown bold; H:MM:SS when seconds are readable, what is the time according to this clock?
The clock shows **8:48**
